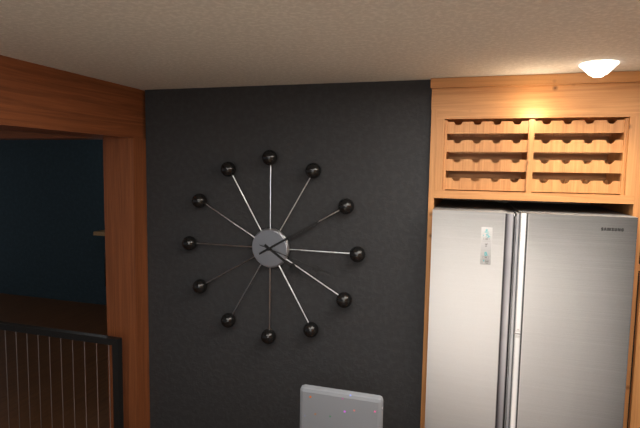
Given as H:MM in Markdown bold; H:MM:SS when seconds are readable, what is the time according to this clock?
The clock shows **4:10:18**
